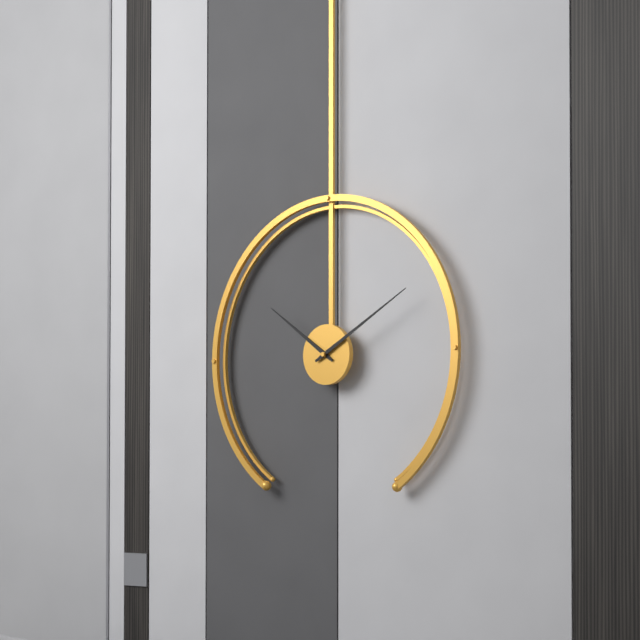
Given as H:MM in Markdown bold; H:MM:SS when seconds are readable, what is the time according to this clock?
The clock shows **10:10**
